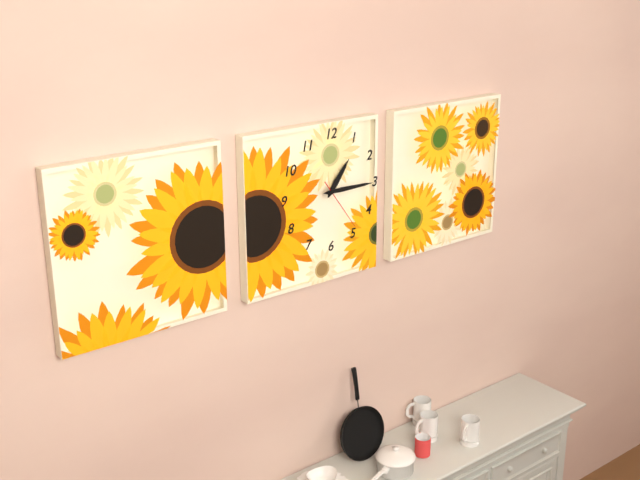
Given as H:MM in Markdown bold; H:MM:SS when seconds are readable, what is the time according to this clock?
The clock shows **1:15:24**
